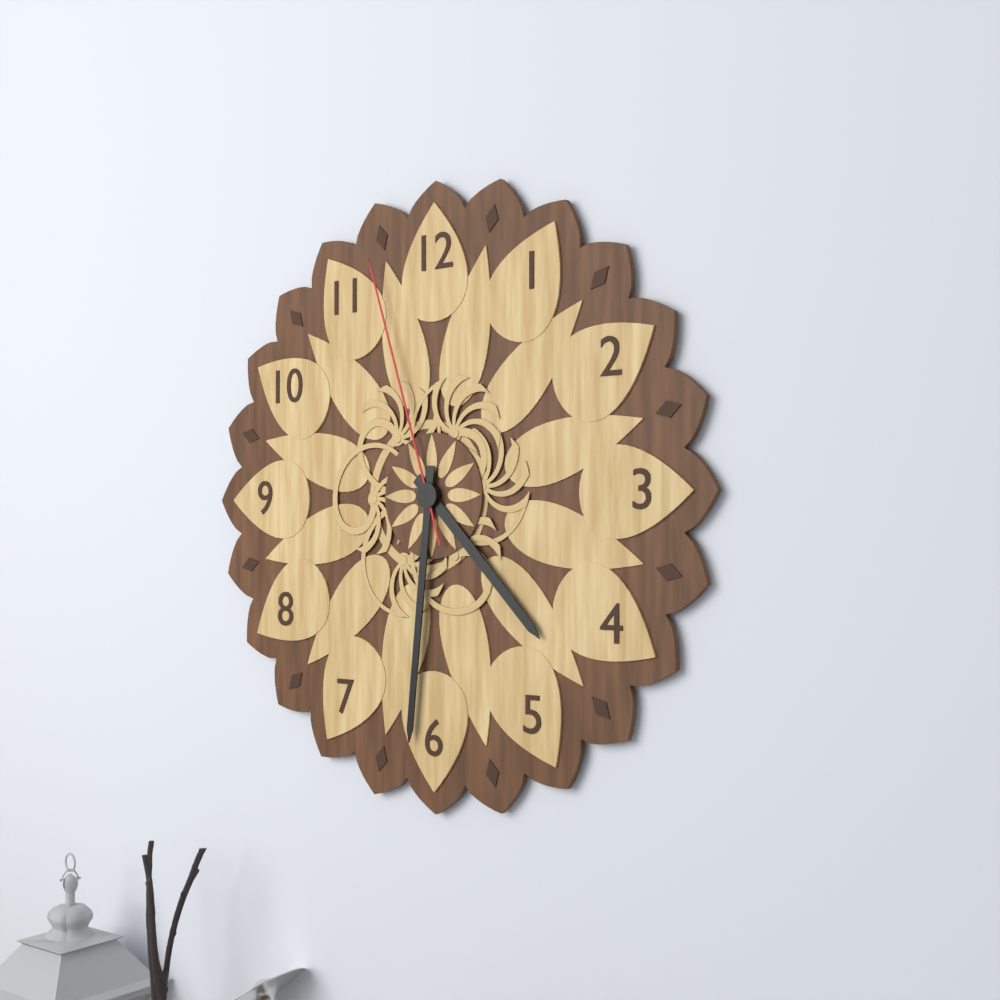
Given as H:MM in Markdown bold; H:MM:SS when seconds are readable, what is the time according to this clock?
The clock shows **4:31:57**
